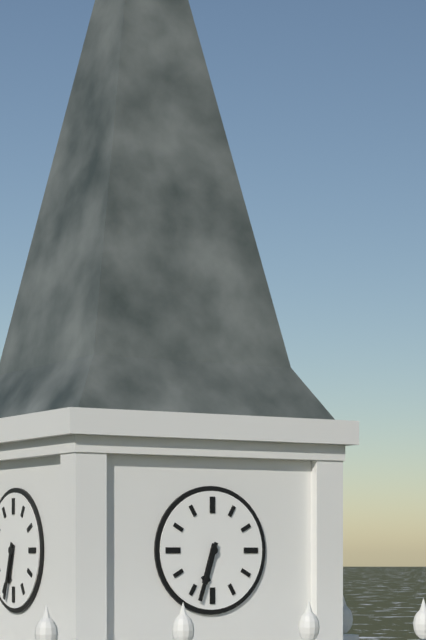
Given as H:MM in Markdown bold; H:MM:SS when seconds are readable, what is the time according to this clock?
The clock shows **6:33**
